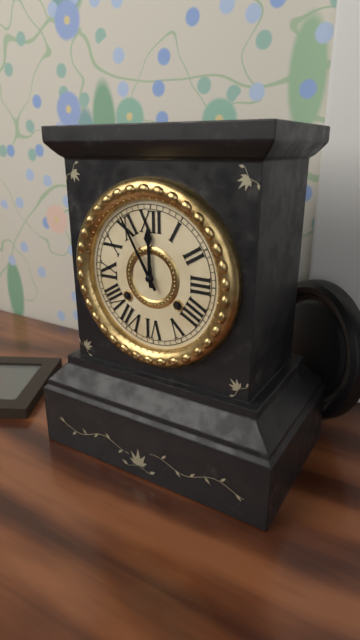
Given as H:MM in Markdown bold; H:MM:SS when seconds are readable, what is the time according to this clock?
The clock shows **11:55**
